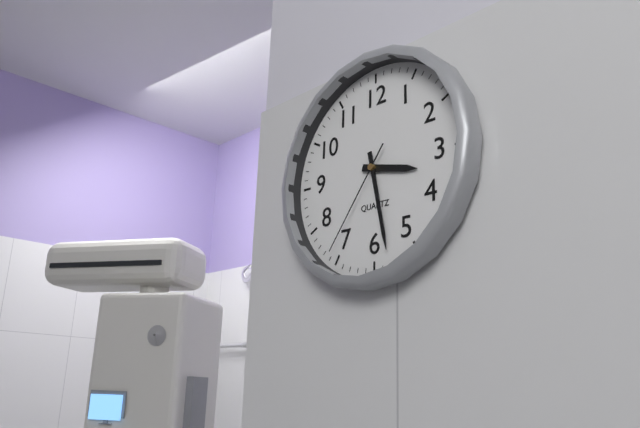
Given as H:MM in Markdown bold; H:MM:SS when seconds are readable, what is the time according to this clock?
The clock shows **3:28:36**
